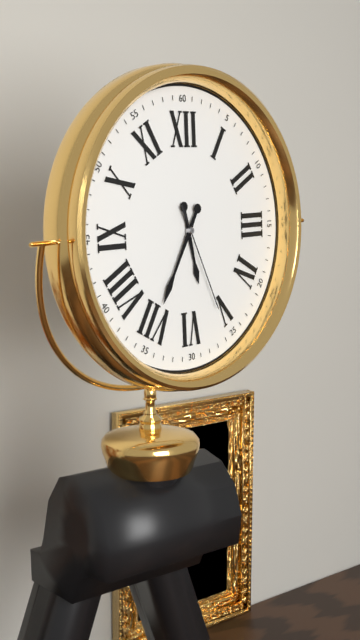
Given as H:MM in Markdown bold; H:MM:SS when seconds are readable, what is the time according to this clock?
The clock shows **5:35:26**
